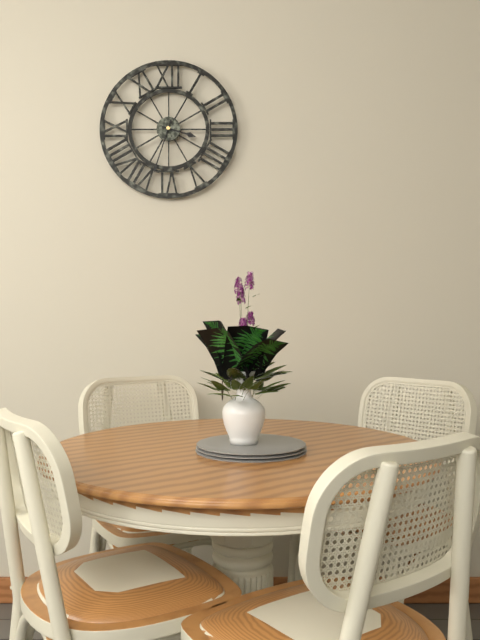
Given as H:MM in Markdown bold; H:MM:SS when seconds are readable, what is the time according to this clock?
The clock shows **3:33**
